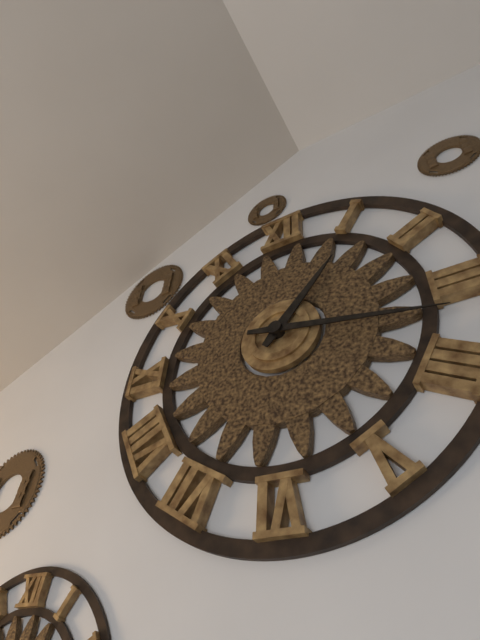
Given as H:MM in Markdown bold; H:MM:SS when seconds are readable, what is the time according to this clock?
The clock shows **1:17**
